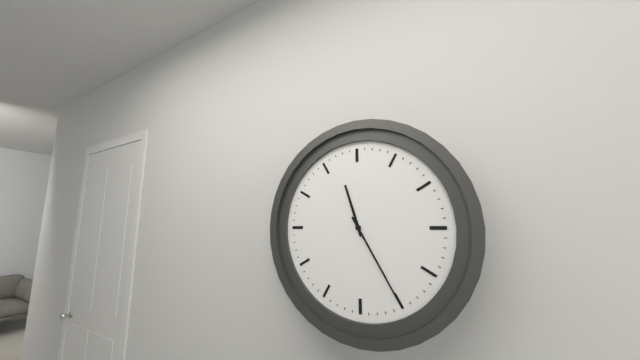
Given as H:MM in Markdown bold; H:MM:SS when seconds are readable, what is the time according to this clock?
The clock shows **11:25**
